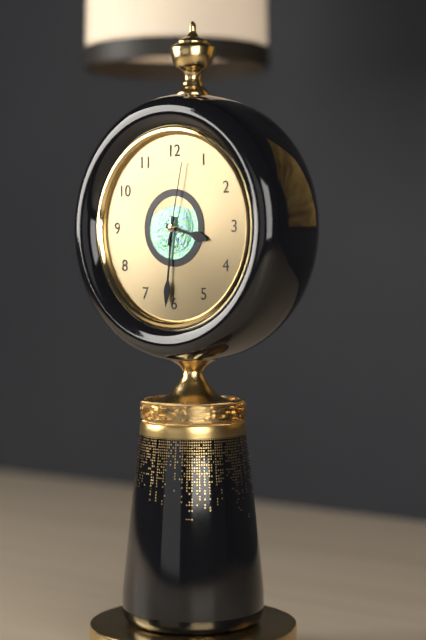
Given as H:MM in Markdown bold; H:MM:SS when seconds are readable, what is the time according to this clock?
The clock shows **3:31:02**
